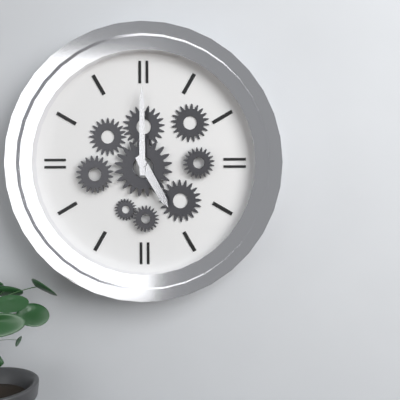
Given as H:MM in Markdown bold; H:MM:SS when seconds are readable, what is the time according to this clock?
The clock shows **5:00**
